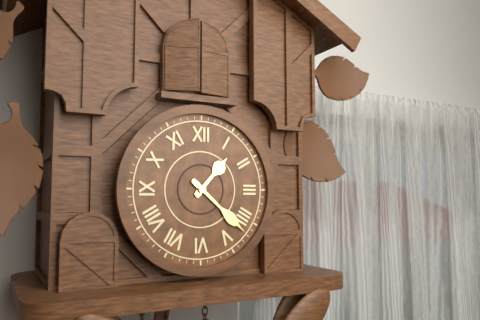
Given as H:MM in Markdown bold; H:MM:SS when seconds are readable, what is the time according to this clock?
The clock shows **1:22**
